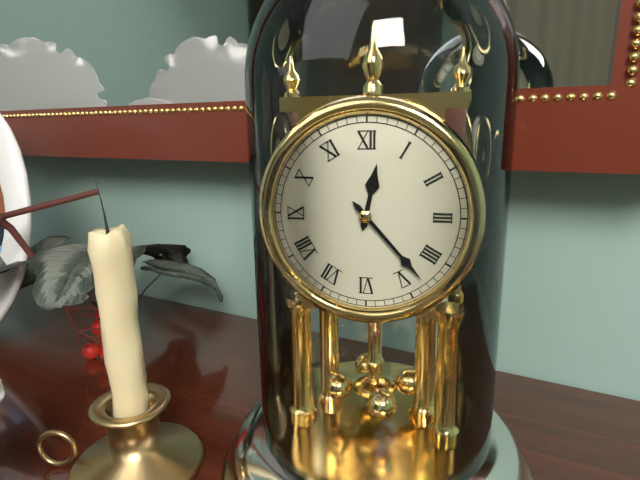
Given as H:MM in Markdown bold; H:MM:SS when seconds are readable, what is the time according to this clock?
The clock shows **12:23**
